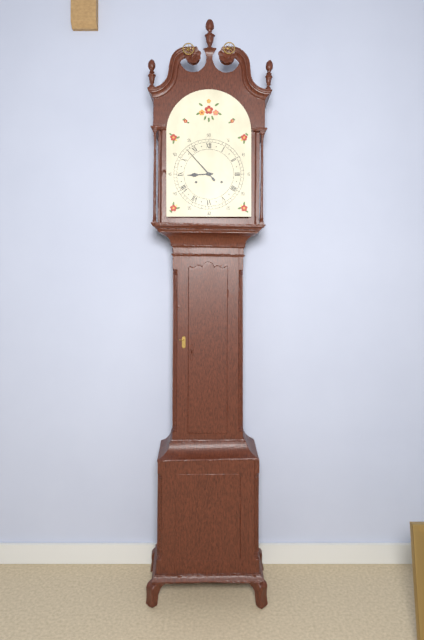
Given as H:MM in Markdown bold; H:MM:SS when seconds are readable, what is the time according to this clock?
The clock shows **8:53**
